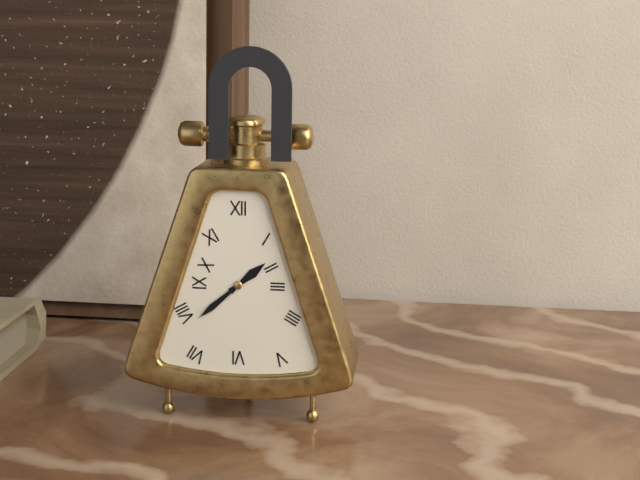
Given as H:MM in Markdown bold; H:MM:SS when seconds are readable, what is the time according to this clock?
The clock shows **1:38**
